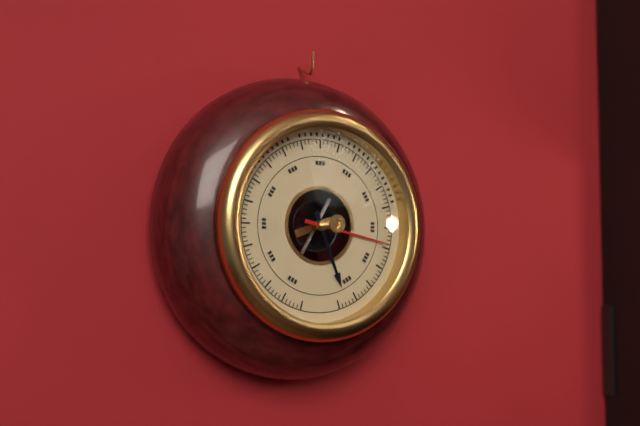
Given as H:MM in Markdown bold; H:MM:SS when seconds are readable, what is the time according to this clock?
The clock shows **5:17**
